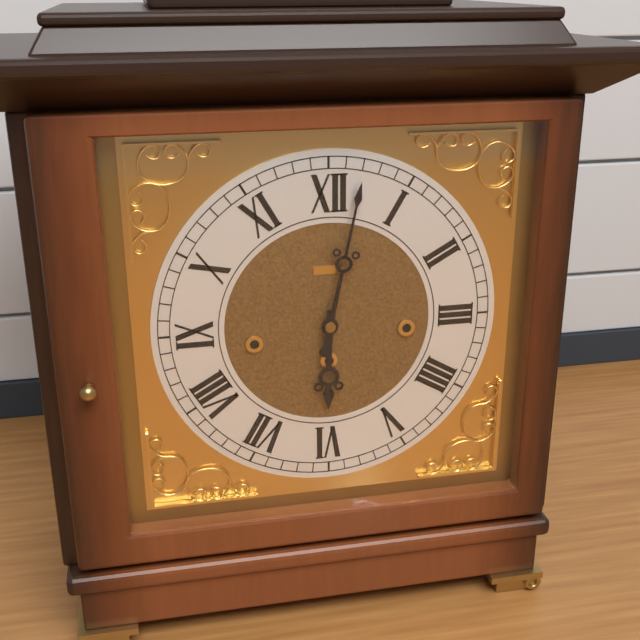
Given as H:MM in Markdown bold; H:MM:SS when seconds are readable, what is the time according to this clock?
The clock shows **6:02**
